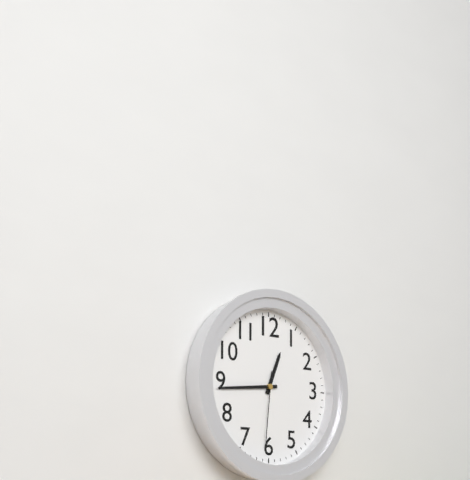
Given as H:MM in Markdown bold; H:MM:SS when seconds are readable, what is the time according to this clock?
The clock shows **12:44:31**
